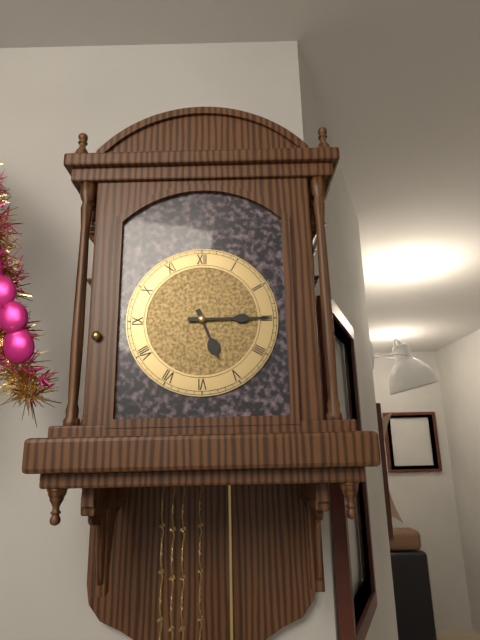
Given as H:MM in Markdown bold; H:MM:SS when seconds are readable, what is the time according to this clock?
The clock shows **5:15**
